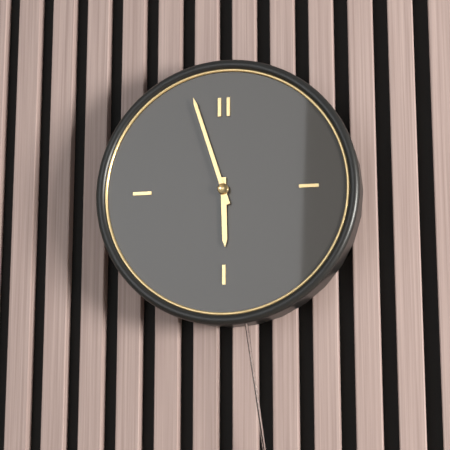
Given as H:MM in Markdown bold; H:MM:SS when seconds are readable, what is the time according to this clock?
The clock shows **5:57**
